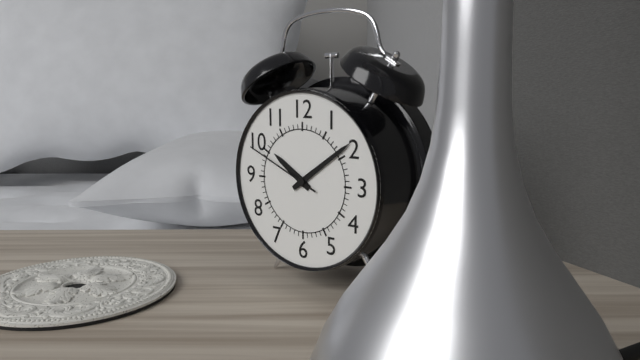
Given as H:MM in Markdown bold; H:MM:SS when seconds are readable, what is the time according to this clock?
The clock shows **10:09:49**
